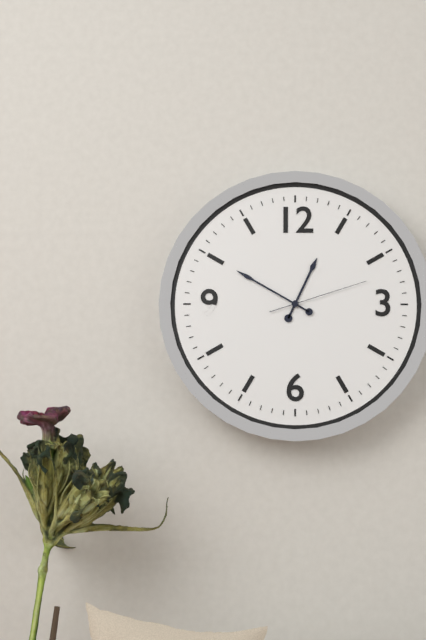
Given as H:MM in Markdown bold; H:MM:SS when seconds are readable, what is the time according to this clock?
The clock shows **12:50:12**
